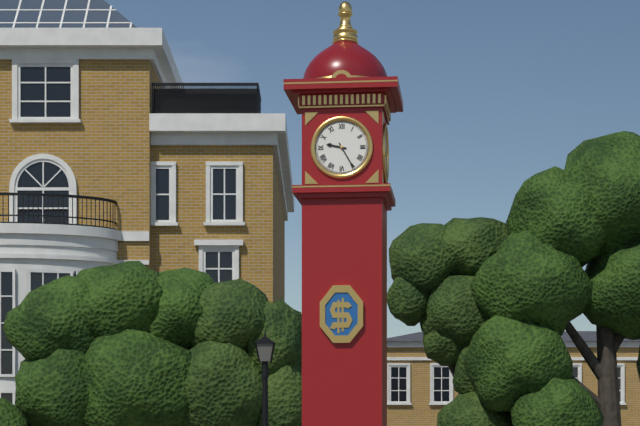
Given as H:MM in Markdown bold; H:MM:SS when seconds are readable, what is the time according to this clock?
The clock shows **9:25**
